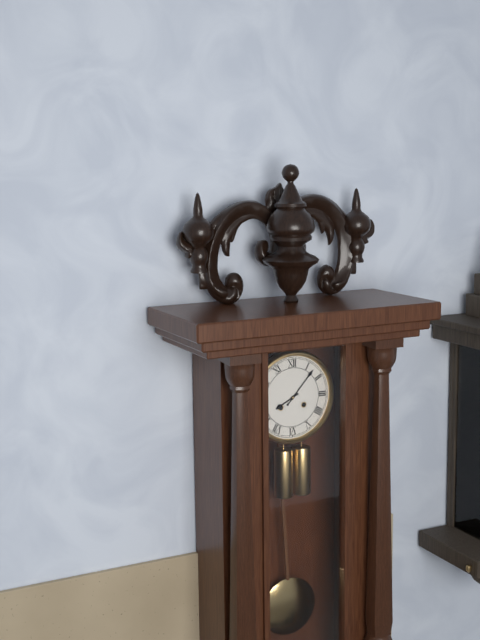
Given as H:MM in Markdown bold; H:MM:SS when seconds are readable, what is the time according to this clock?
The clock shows **8:07**
